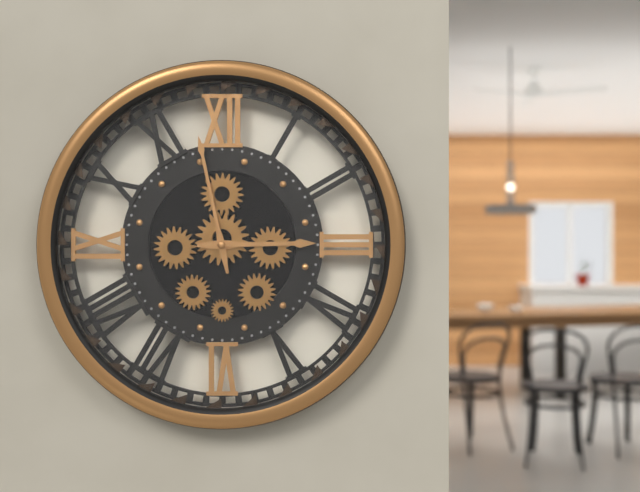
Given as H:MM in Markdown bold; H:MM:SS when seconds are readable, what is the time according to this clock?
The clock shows **2:58**
